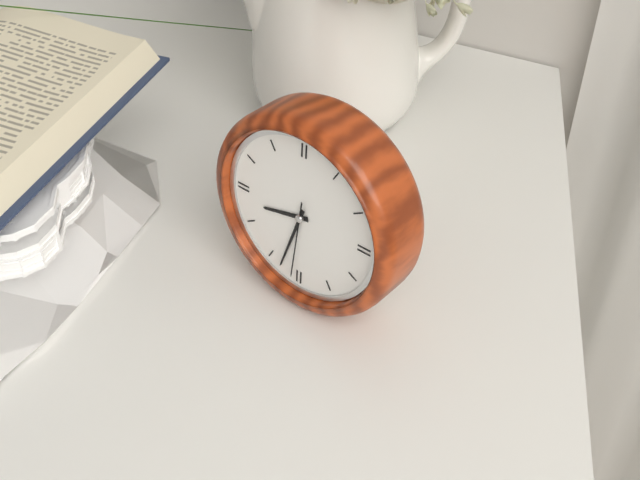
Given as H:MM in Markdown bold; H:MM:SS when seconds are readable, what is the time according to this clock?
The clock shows **8:33:31**
